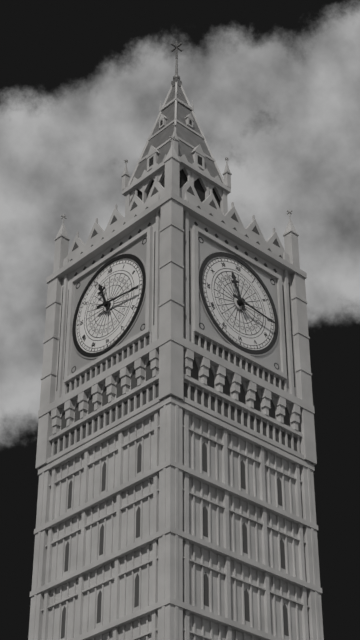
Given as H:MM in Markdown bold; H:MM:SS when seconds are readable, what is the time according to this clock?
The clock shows **11:16**
